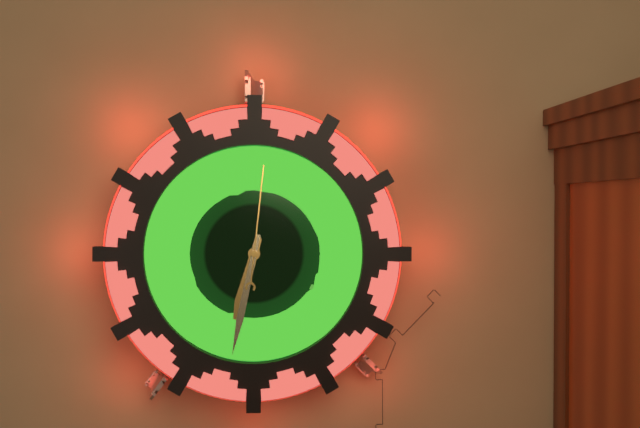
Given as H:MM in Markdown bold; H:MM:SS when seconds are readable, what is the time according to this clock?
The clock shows **6:32:01**
